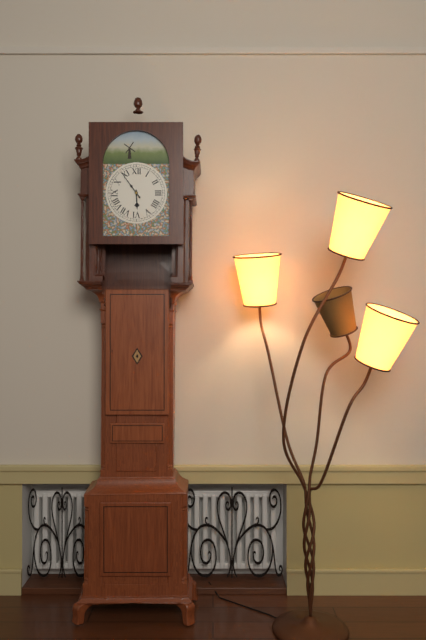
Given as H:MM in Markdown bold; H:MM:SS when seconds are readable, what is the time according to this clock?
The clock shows **5:54**
